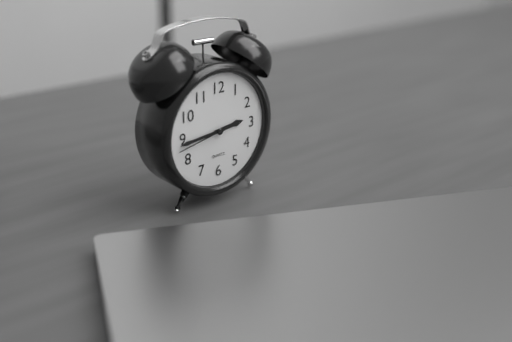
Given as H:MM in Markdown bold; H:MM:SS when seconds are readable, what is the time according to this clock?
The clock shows **2:44:43**
